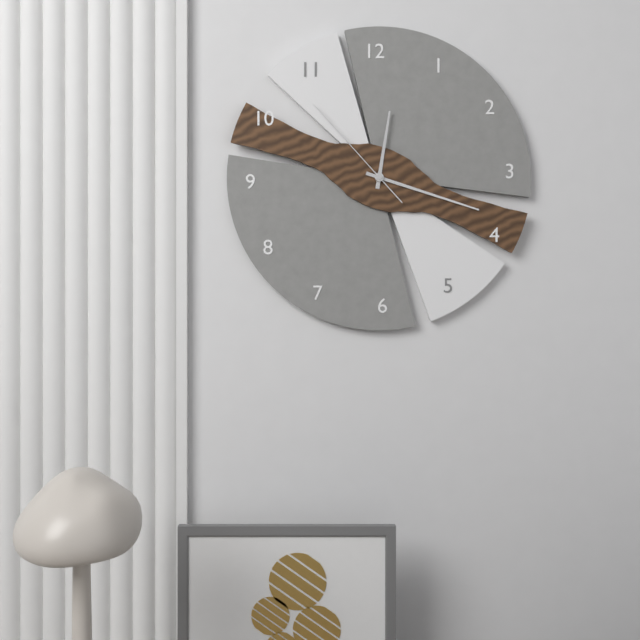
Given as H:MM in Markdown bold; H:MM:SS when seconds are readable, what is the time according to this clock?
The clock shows **12:18:53**
